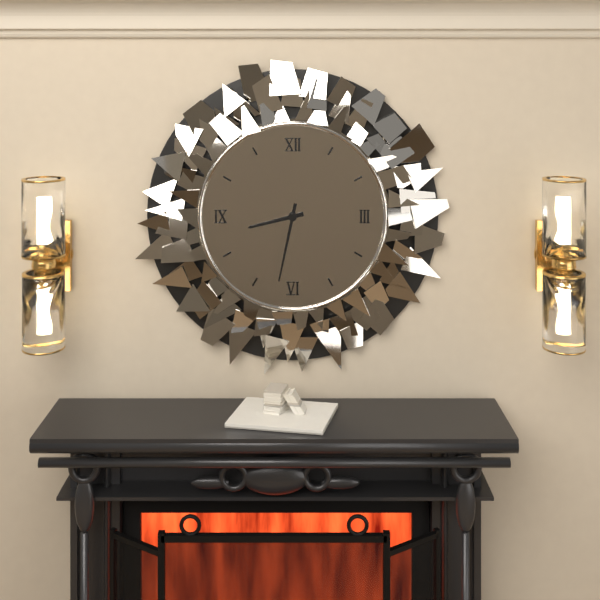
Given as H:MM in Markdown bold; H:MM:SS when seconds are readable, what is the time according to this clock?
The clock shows **8:32**
